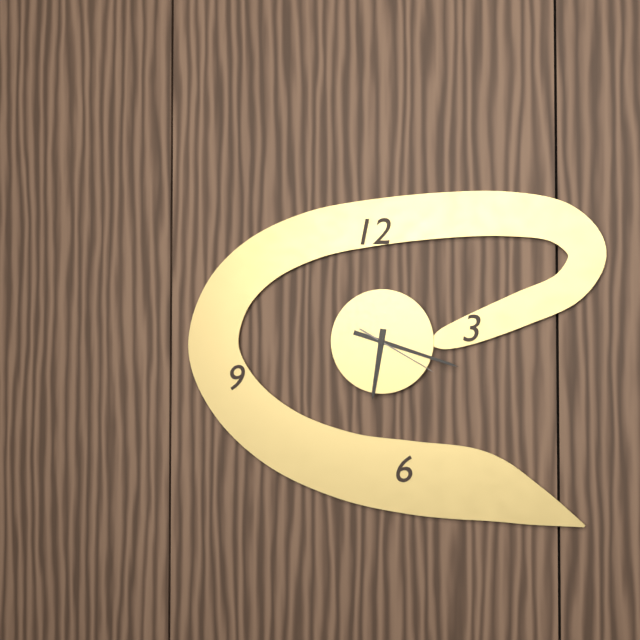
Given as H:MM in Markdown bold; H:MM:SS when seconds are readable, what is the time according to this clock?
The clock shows **6:18:20**
